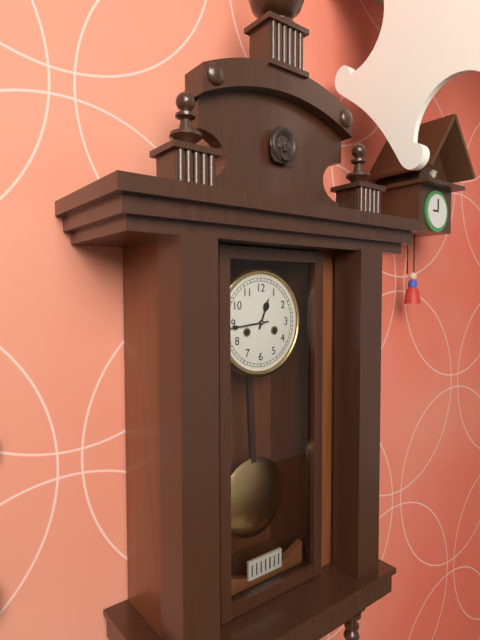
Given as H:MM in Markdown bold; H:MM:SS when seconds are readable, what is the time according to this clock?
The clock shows **12:44**
